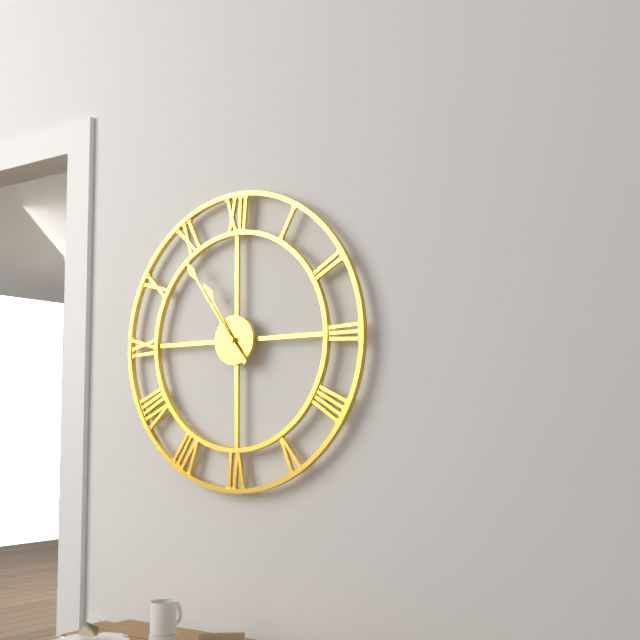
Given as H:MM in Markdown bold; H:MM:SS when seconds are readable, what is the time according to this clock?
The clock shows **10:54**
